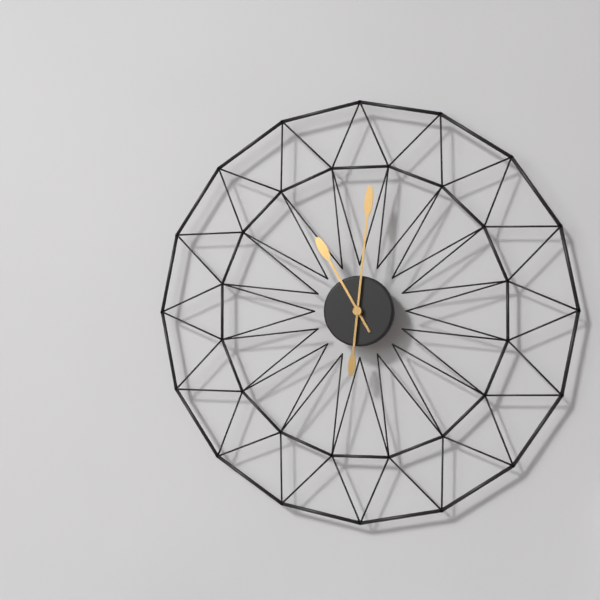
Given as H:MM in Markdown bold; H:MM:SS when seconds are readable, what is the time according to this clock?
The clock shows **11:01**
